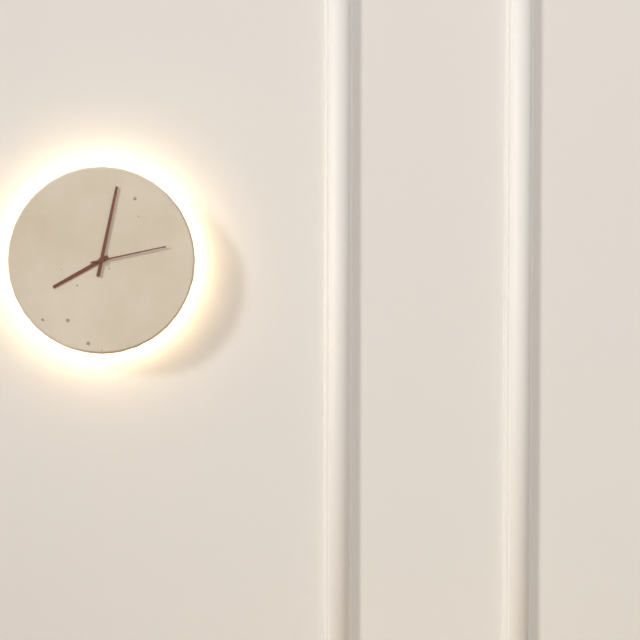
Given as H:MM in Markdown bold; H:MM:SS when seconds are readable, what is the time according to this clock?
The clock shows **8:02:13**
